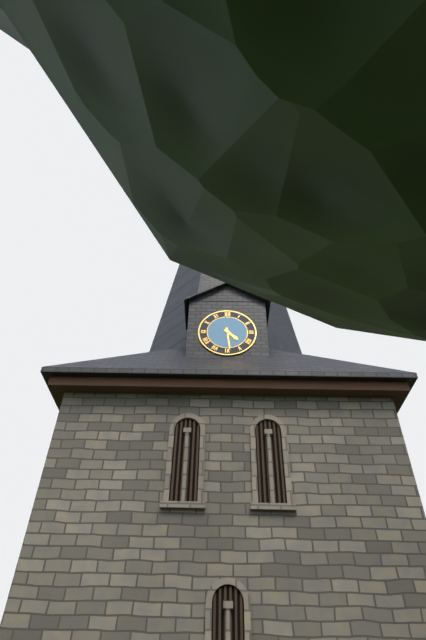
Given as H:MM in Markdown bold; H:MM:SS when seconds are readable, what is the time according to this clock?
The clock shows **4:29**
